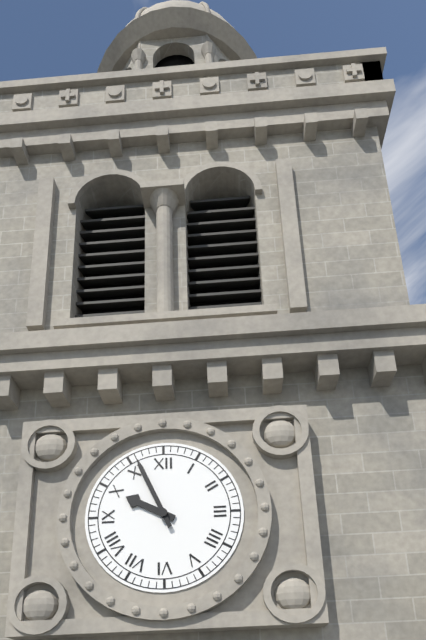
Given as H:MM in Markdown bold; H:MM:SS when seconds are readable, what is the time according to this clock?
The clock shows **9:56**
